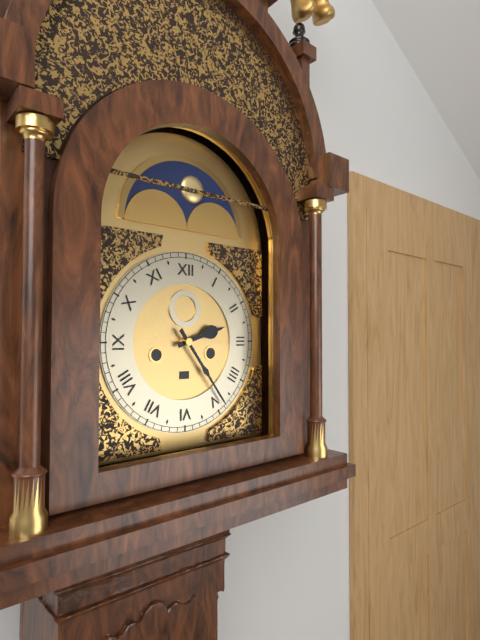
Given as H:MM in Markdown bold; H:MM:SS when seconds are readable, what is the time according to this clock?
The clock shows **2:24**
